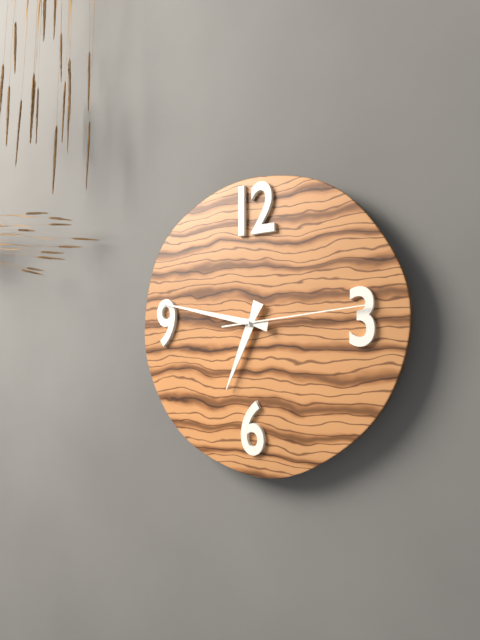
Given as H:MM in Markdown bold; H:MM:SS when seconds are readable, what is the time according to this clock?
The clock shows **6:47:14**
